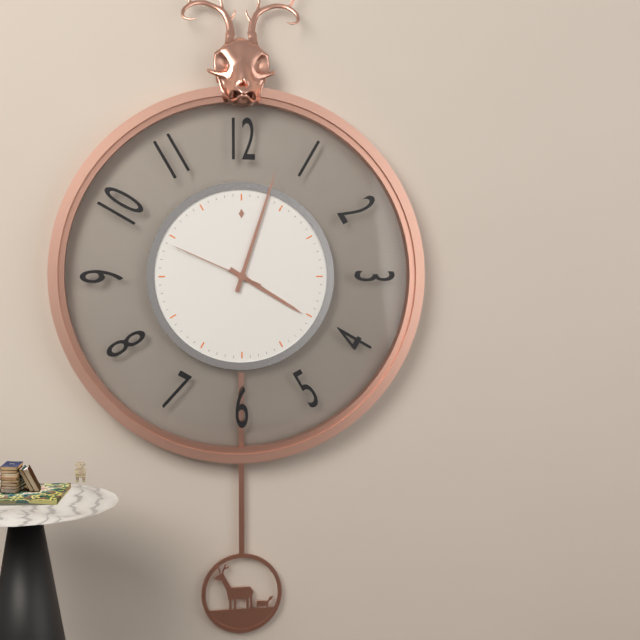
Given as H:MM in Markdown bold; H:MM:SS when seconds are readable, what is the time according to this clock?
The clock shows **4:03:49**
